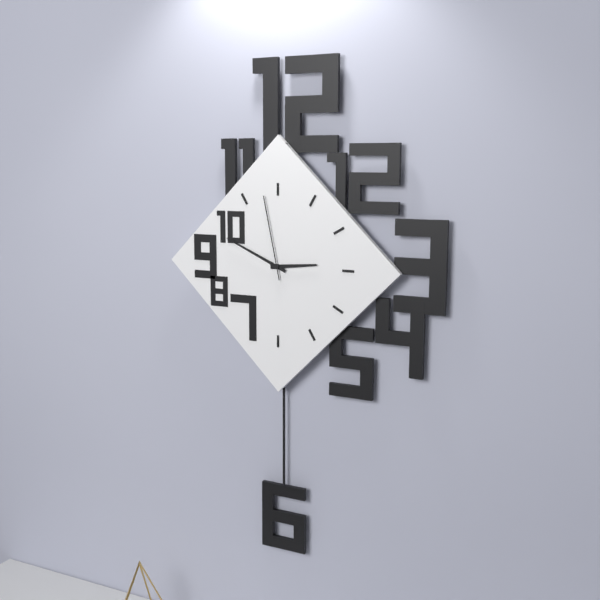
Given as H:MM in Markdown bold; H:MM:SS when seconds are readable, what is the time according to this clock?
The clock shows **2:49:58**
